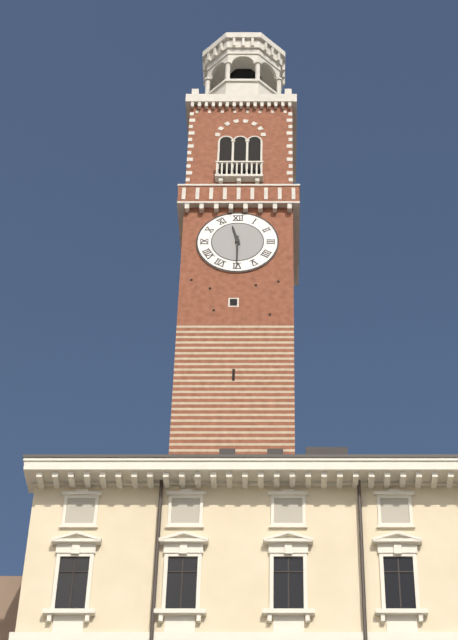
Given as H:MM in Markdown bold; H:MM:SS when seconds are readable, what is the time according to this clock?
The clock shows **11:30**
